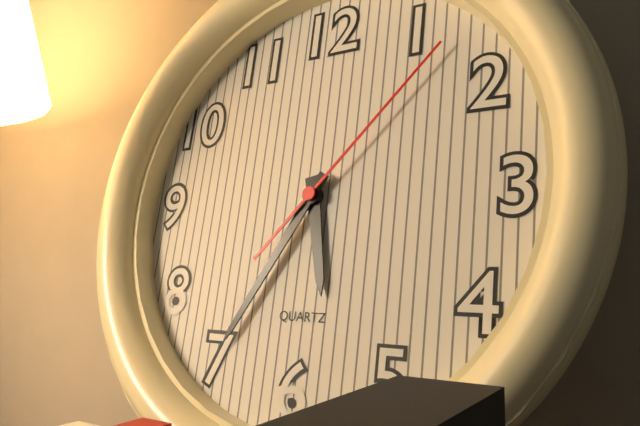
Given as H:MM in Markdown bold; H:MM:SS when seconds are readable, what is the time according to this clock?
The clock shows **5:35:07**
